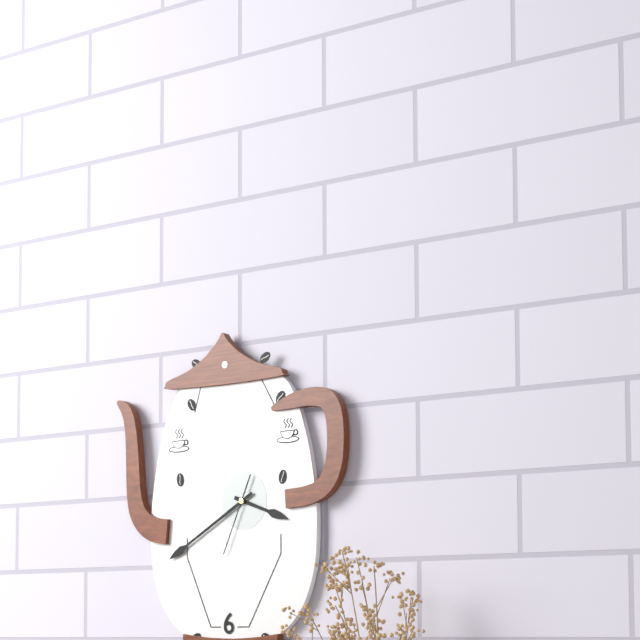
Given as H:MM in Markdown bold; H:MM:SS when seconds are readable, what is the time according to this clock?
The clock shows **3:40:34**
